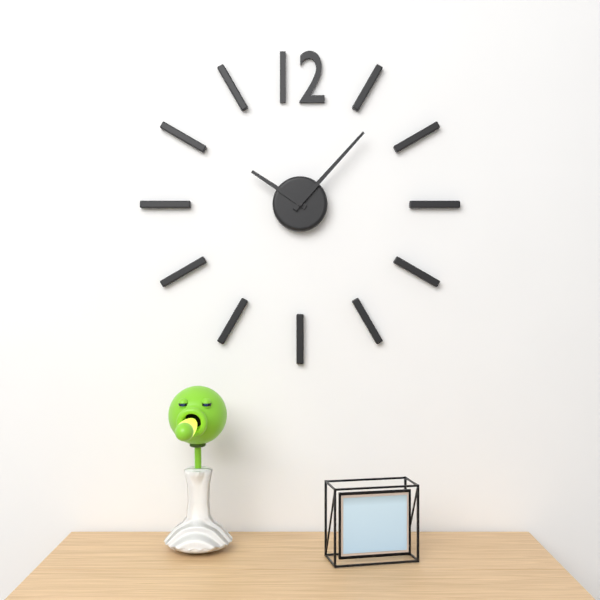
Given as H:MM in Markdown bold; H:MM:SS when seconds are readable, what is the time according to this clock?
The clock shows **10:07**
